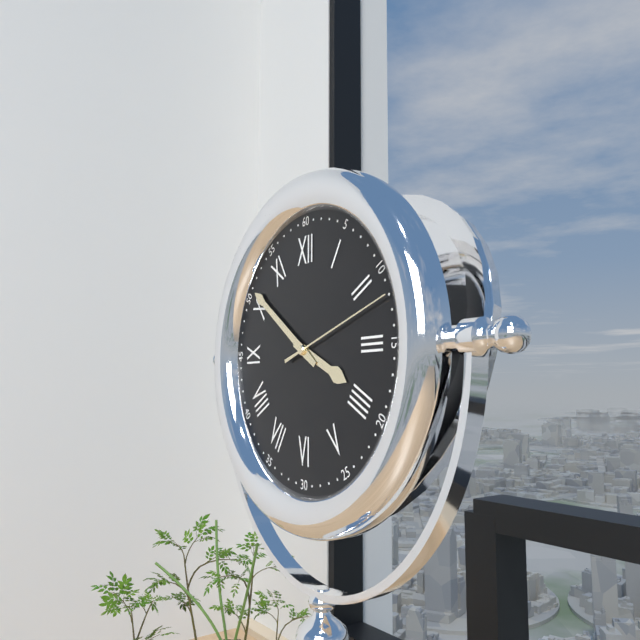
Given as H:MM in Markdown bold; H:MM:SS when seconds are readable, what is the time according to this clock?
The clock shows **3:51:12**
